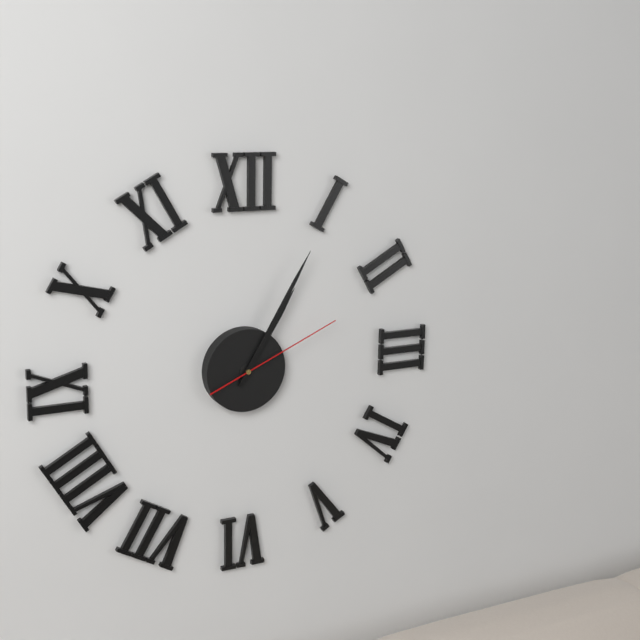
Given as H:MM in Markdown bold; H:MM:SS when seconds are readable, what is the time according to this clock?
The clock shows **1:05:11**
